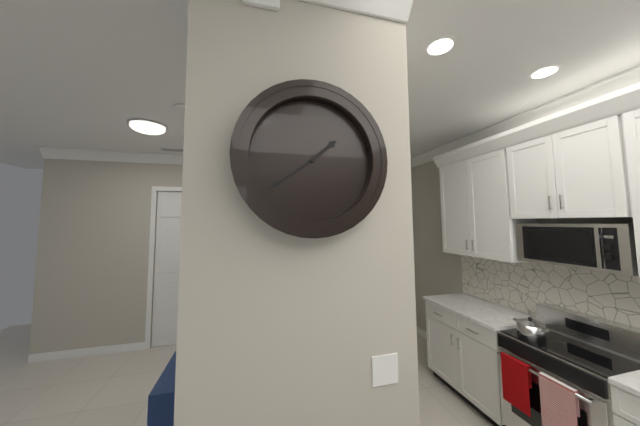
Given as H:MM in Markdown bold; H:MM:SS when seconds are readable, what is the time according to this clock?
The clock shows **1:39**
